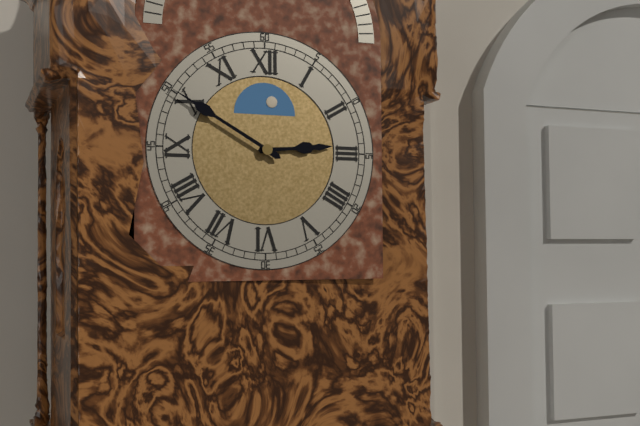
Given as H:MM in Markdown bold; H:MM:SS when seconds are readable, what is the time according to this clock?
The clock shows **2:50**
